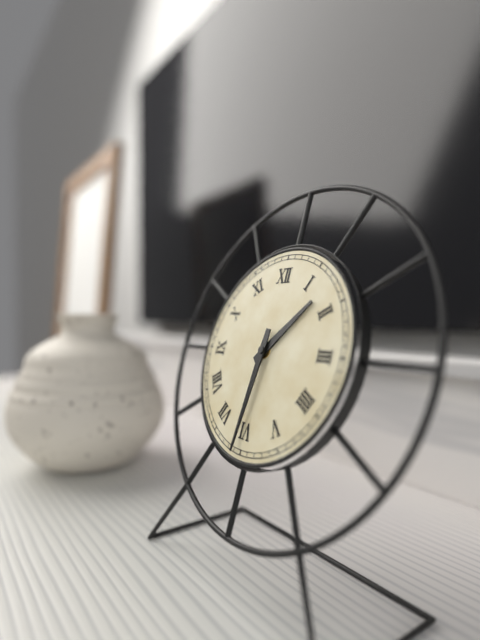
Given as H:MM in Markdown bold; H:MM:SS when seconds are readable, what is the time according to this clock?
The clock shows **1:31**
